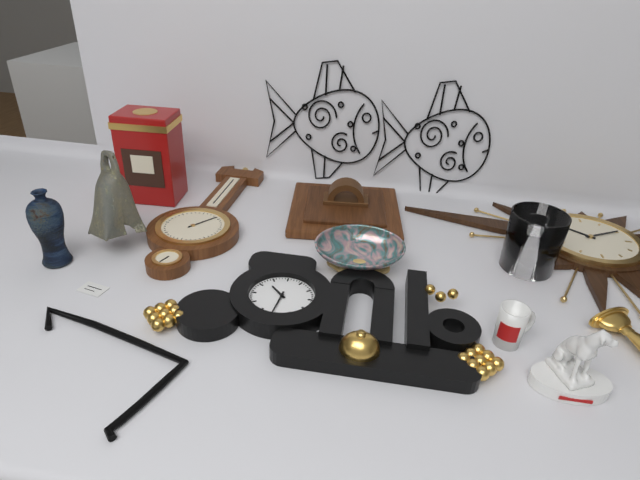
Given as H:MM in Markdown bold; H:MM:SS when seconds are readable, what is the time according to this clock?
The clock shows **10:31**
